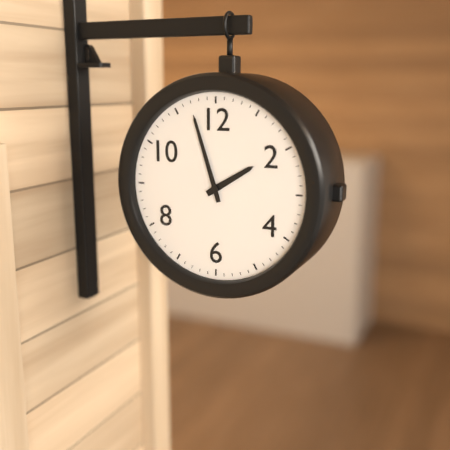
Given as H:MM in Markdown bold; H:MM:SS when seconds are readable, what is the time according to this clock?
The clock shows **1:57**
